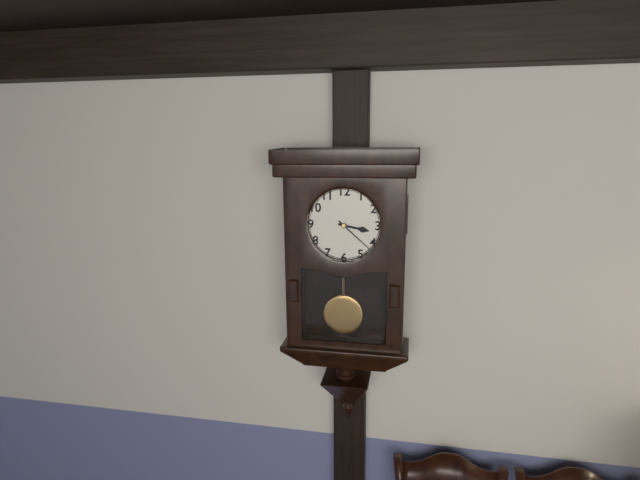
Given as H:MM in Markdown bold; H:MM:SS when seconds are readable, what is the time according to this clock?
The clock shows **3:22**
